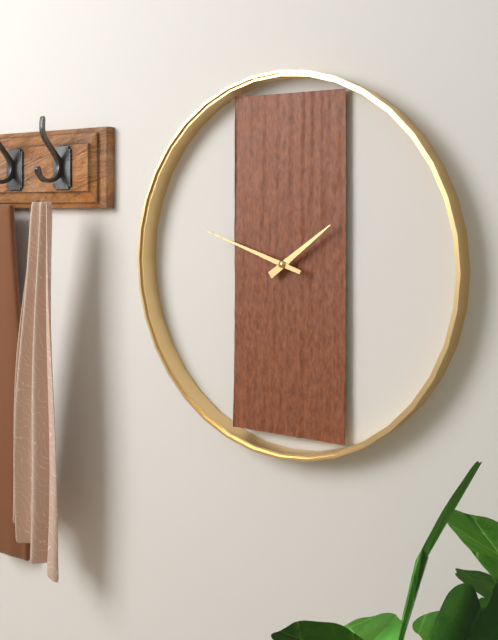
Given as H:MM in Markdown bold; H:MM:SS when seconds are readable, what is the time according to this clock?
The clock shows **1:48**
